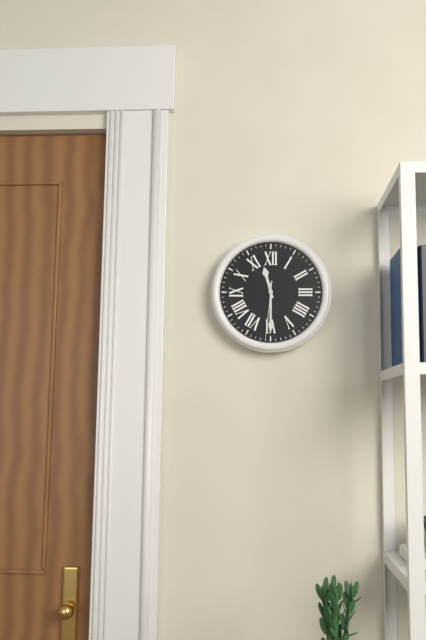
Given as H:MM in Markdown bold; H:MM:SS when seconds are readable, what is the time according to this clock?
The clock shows **11:30:31**
